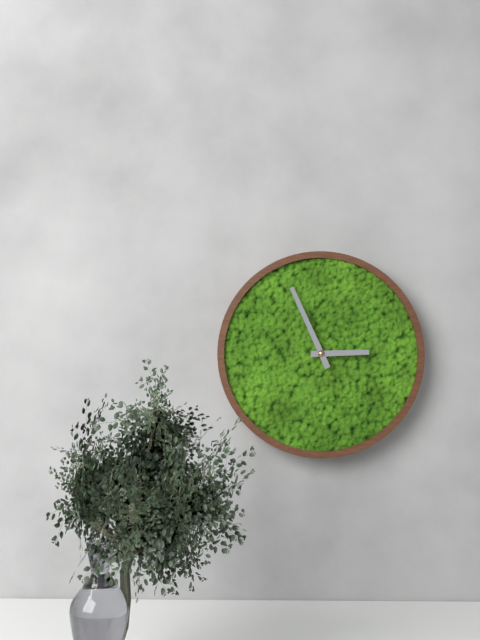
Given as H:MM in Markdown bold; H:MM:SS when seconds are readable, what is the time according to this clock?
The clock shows **2:56**
